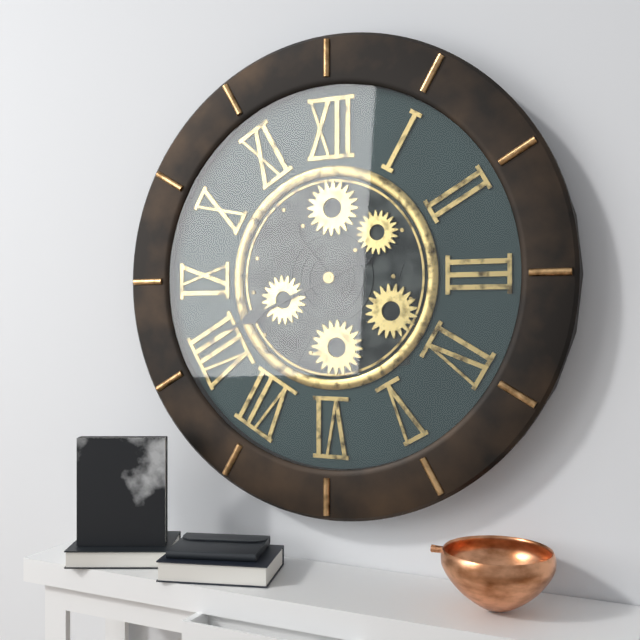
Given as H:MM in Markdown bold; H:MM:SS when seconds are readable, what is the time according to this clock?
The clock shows **10:41**
